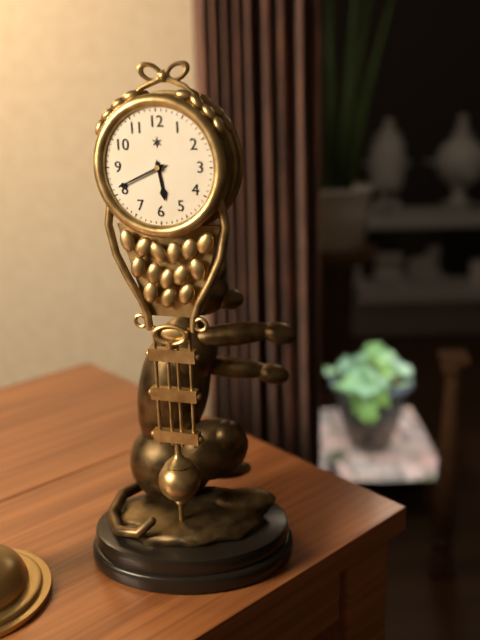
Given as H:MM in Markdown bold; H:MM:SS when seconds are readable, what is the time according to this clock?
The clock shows **5:41**
